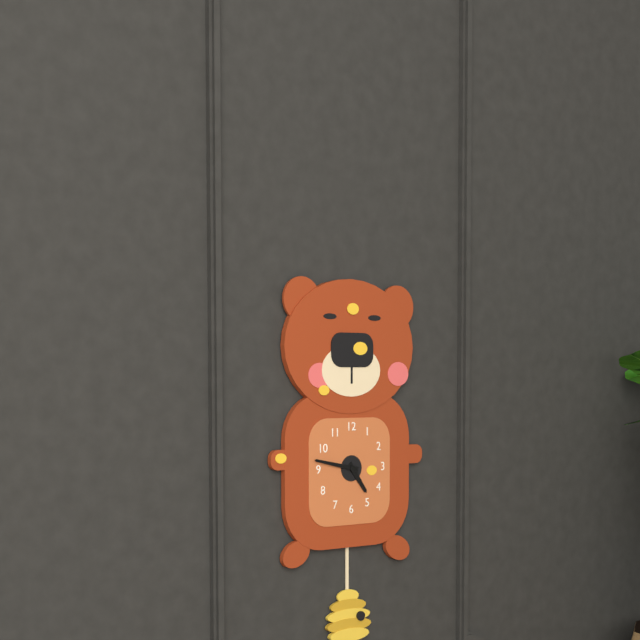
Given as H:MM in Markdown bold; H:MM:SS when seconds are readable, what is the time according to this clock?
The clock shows **4:47**
